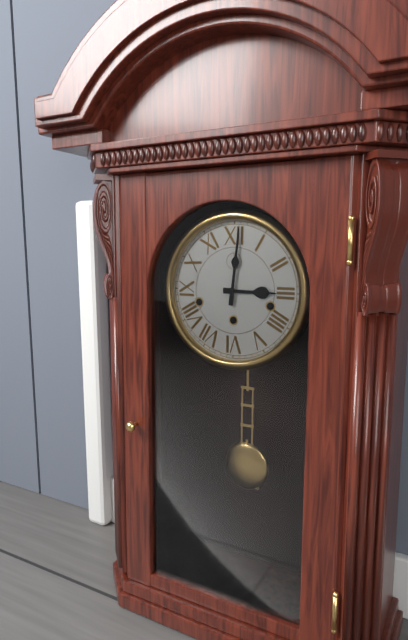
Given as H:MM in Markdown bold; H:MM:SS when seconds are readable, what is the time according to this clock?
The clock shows **3:01**
